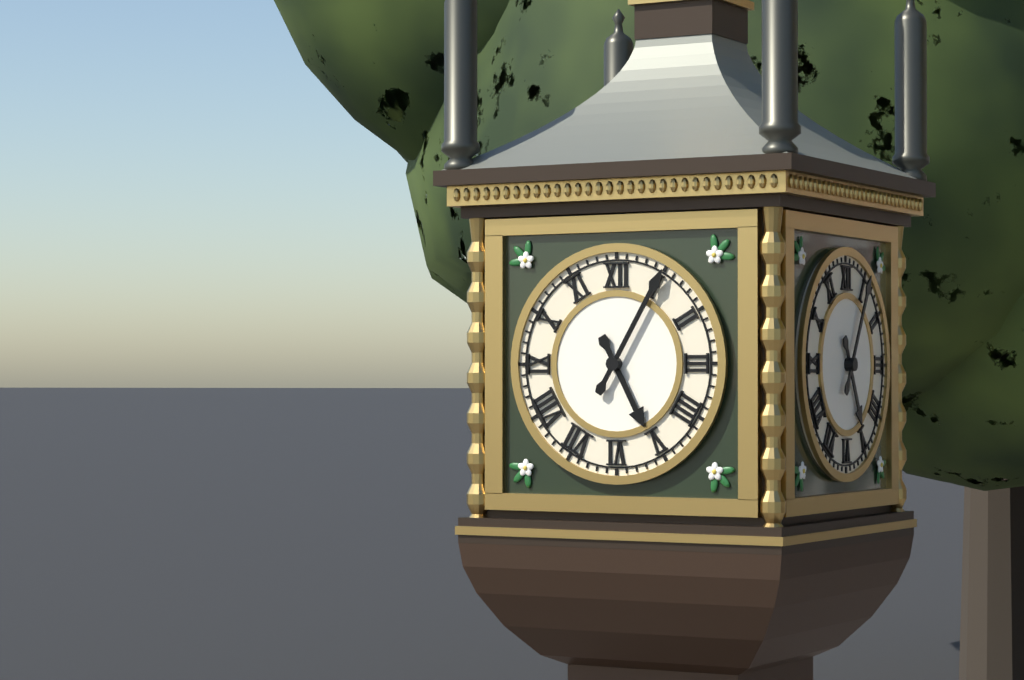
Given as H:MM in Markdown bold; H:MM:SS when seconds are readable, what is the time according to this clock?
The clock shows **5:05**
